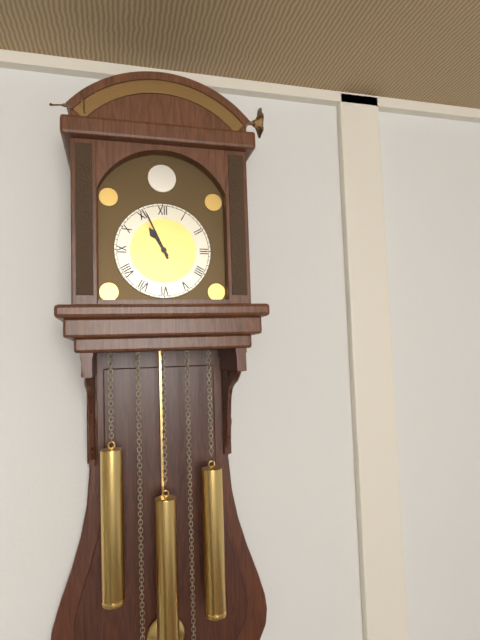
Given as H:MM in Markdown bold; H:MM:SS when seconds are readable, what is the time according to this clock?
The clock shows **10:56**
